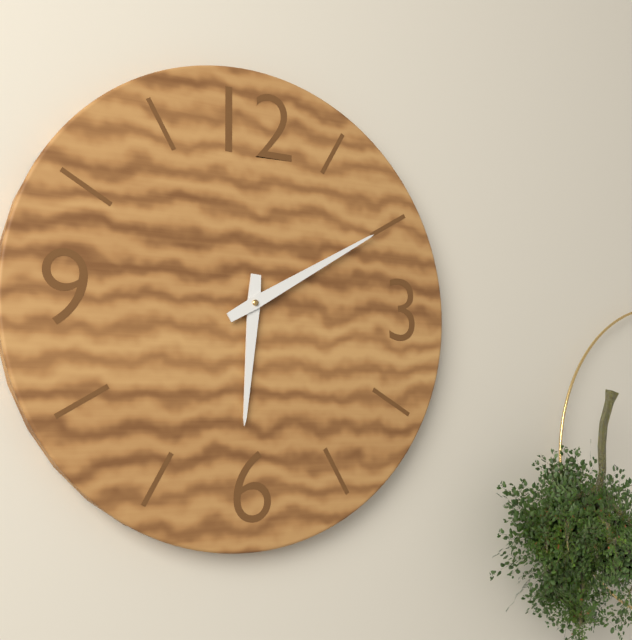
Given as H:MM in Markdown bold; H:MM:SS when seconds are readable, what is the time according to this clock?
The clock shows **6:10**
